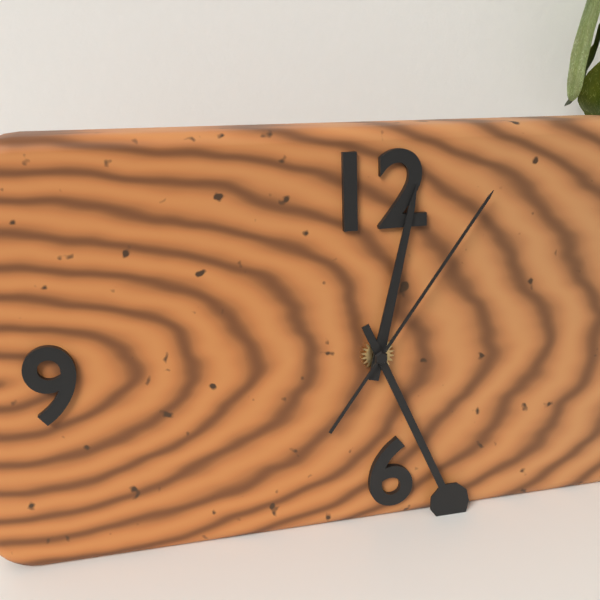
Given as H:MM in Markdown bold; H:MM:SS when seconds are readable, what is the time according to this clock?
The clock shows **12:26:06**
